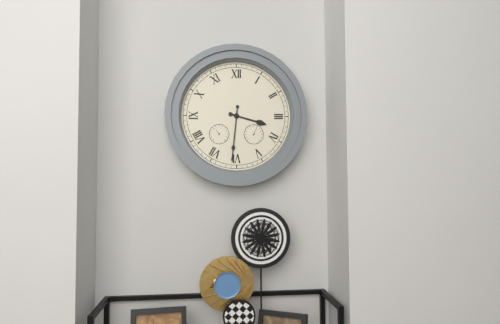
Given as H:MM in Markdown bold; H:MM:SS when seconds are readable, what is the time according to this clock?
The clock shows **3:31**
